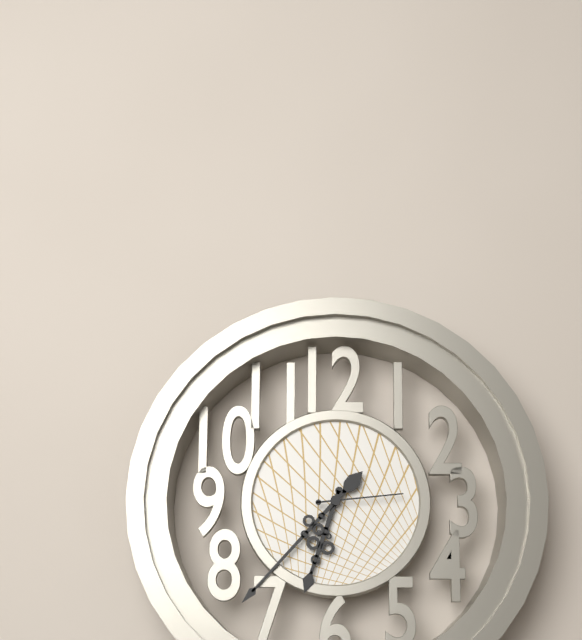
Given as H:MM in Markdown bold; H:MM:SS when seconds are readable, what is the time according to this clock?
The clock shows **6:37:14**
